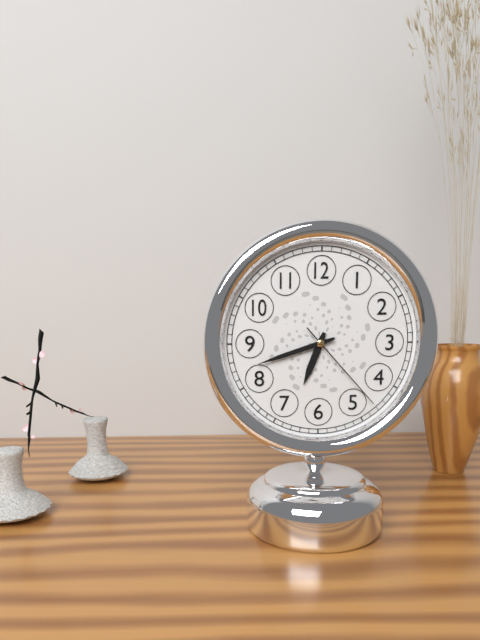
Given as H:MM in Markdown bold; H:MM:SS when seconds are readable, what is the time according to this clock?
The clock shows **6:42:23**
